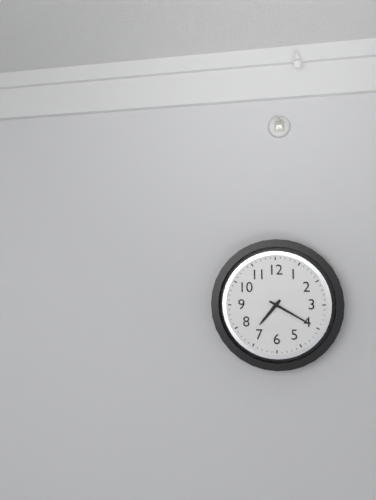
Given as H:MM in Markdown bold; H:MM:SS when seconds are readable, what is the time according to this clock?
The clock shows **7:20**
